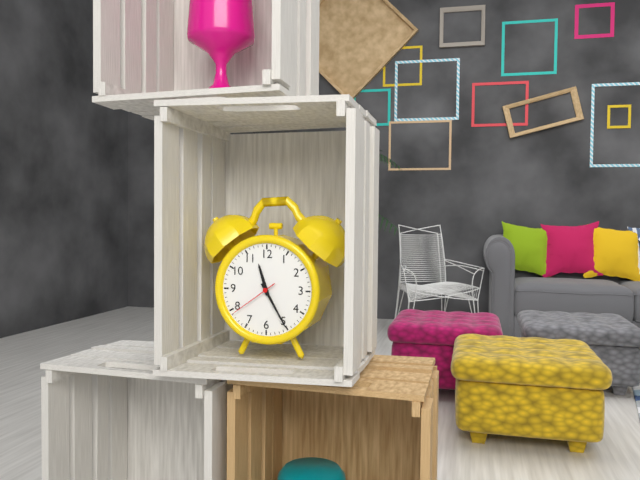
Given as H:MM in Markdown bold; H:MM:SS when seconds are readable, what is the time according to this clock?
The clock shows **11:25:39**
